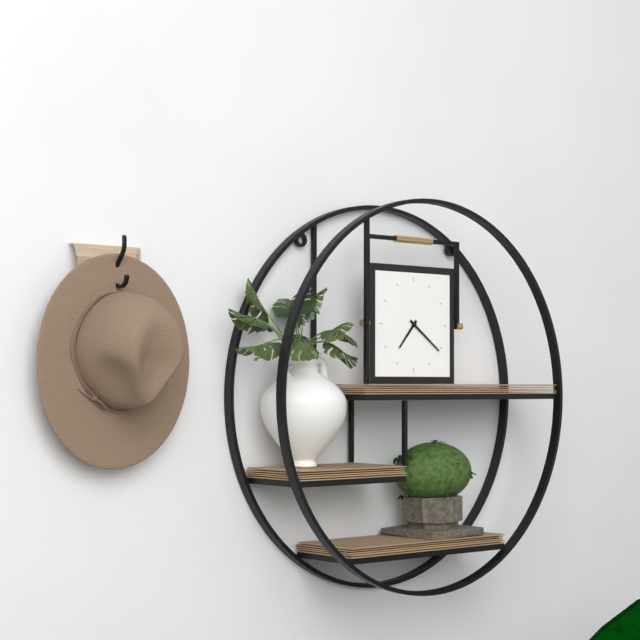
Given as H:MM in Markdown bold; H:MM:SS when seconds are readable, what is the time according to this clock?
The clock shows **7:21**
